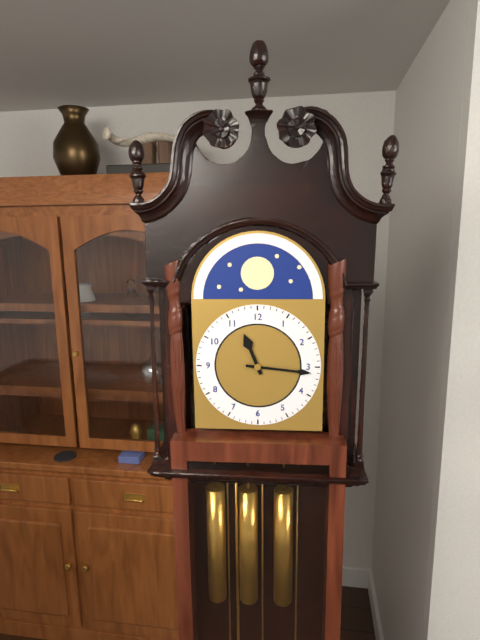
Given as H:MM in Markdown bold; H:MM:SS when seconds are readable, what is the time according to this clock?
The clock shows **11:16**
